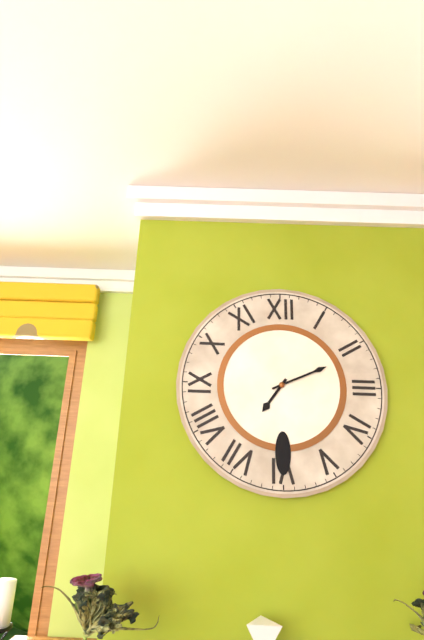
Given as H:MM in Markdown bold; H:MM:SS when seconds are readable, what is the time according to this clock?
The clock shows **7:11**
